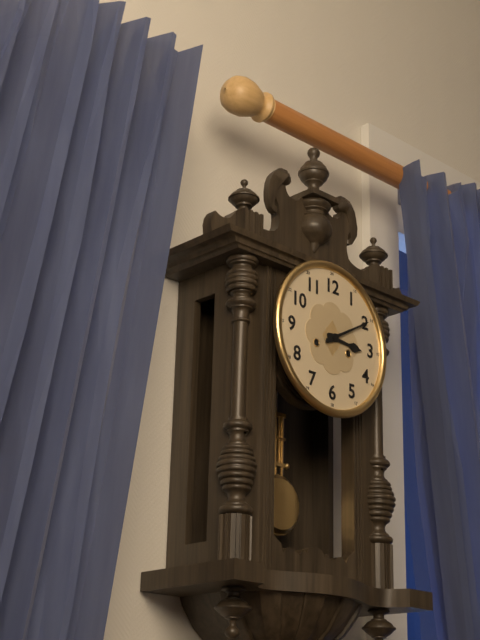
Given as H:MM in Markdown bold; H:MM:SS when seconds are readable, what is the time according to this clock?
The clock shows **3:10**
